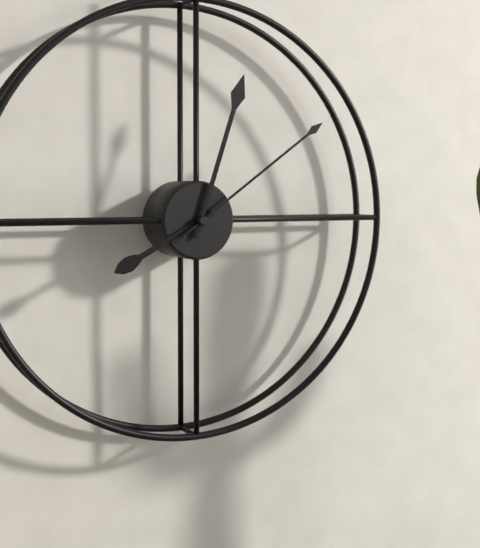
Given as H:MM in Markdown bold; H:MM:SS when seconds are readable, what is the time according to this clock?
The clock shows **8:03:09**
